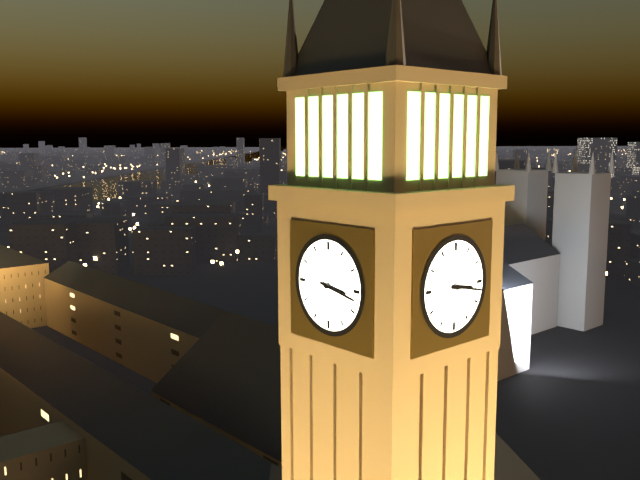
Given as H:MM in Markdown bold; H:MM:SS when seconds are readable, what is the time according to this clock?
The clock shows **3:17**
